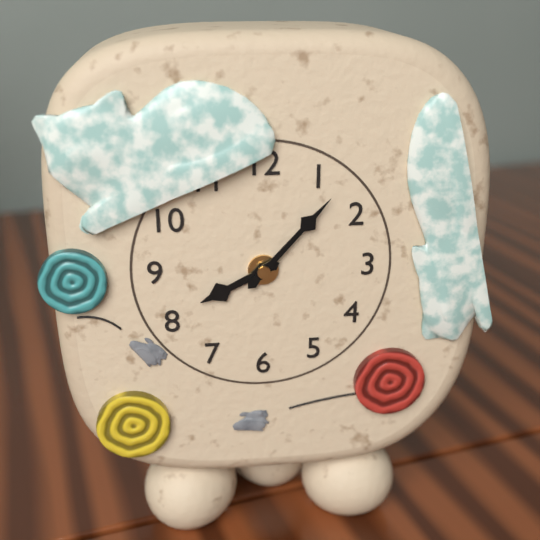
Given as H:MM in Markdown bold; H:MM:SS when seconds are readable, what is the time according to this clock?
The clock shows **8:07**
